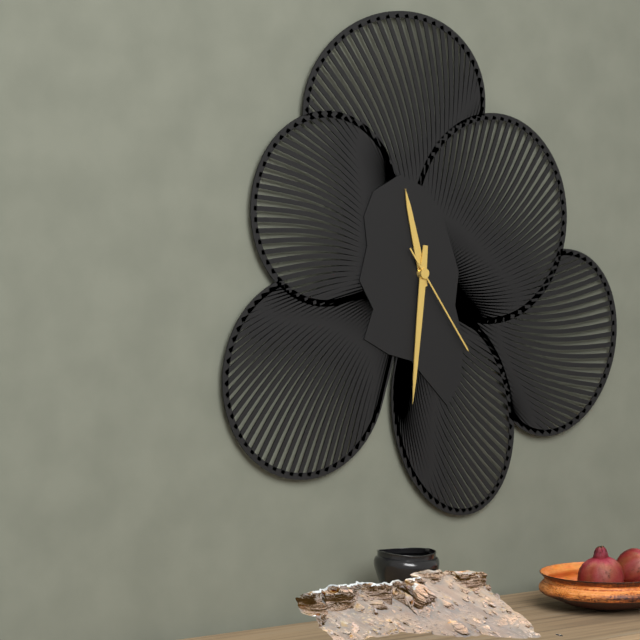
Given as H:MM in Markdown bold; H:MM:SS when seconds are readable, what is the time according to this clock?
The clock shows **11:31:24**
